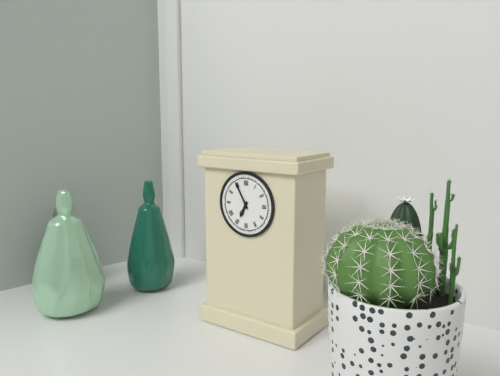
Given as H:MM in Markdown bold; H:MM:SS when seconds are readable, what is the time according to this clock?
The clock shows **6:55**
